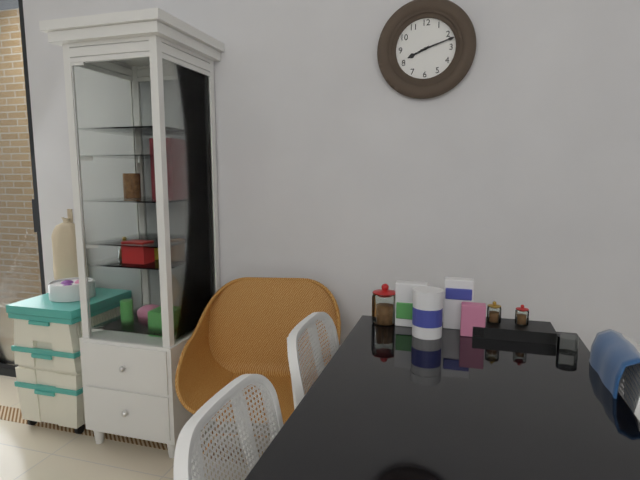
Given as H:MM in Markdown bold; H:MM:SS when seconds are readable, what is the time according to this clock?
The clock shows **8:12**
